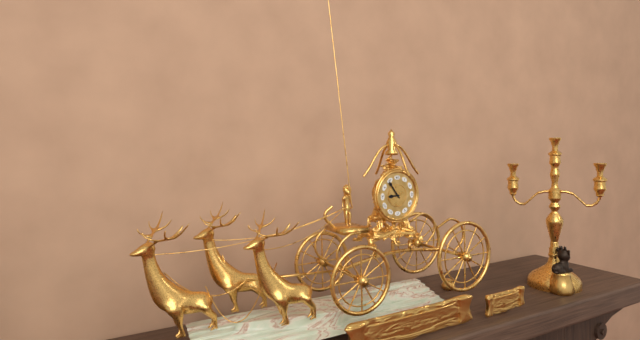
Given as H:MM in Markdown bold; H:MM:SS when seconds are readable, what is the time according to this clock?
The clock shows **8:54**
